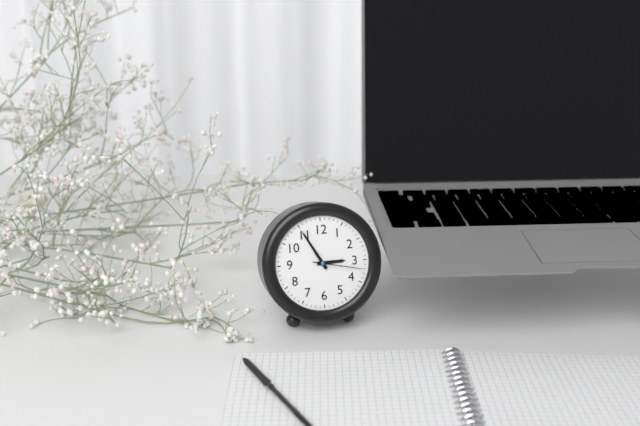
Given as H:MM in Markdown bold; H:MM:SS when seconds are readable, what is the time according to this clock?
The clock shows **2:55:17**
